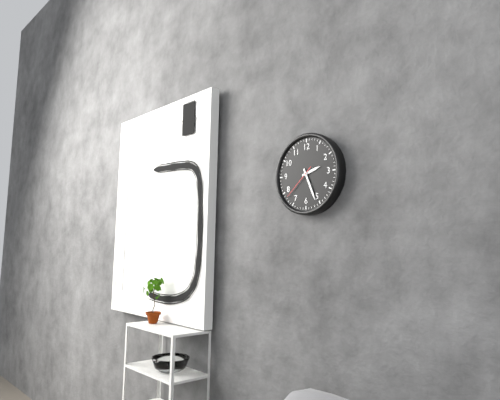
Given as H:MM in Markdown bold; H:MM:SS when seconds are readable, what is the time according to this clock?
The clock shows **2:26**
